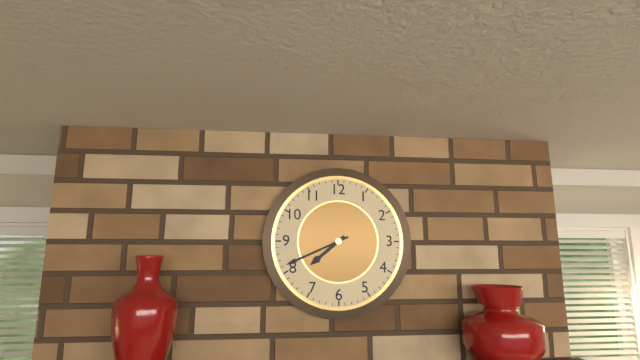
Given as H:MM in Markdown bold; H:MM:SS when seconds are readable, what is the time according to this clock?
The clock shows **7:41**
